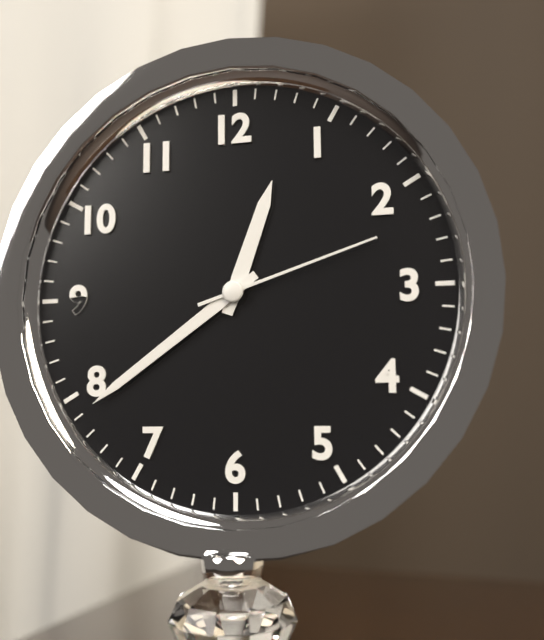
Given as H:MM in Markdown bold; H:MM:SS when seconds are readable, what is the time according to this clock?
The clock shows **12:39:12**
